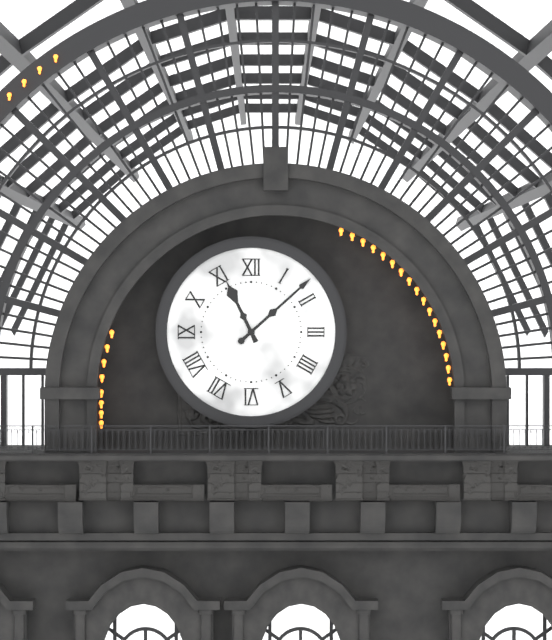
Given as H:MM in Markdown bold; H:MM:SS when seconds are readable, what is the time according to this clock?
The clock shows **11:08**
